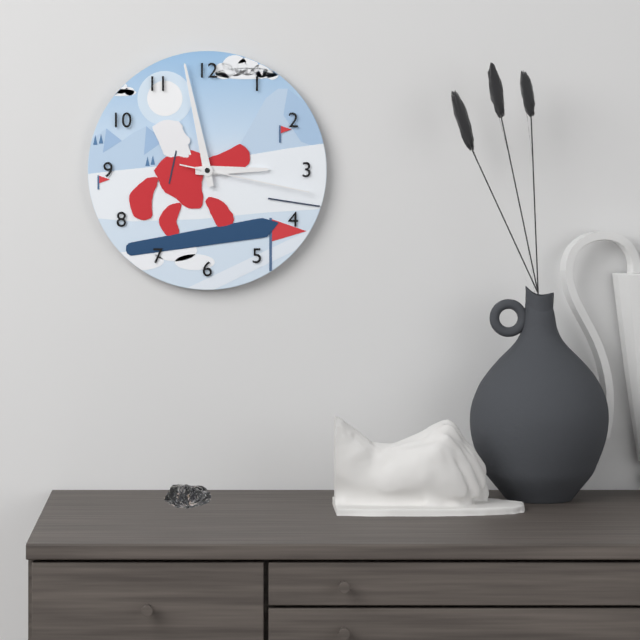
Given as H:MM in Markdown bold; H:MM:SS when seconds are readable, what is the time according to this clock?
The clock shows **2:58:17**
